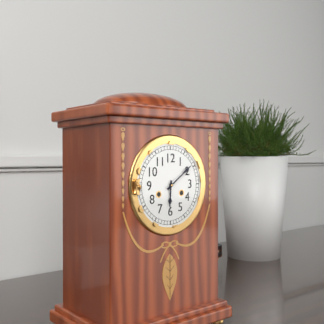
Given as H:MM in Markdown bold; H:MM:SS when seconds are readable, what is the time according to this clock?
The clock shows **6:09**
